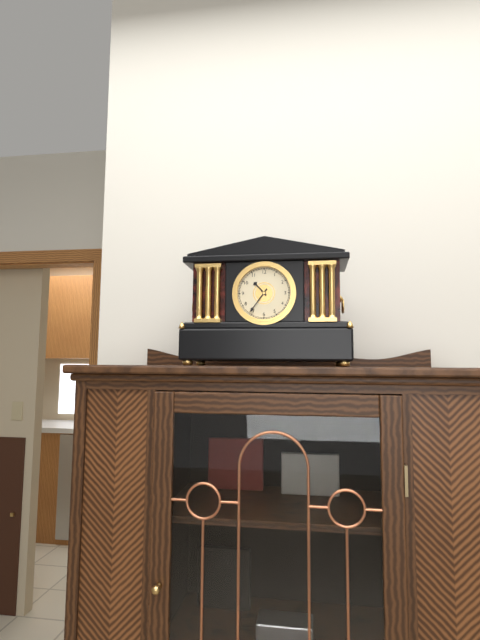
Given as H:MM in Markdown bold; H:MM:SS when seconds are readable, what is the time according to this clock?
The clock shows **10:36**
